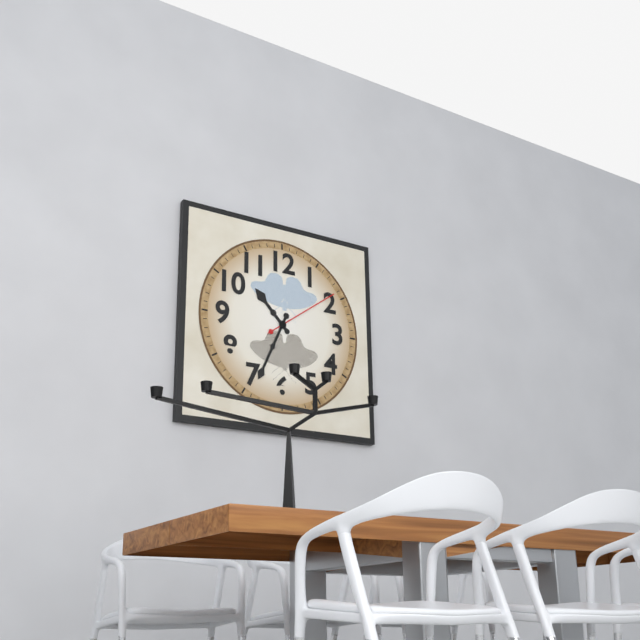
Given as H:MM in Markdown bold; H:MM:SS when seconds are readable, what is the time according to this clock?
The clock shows **10:34:09**
